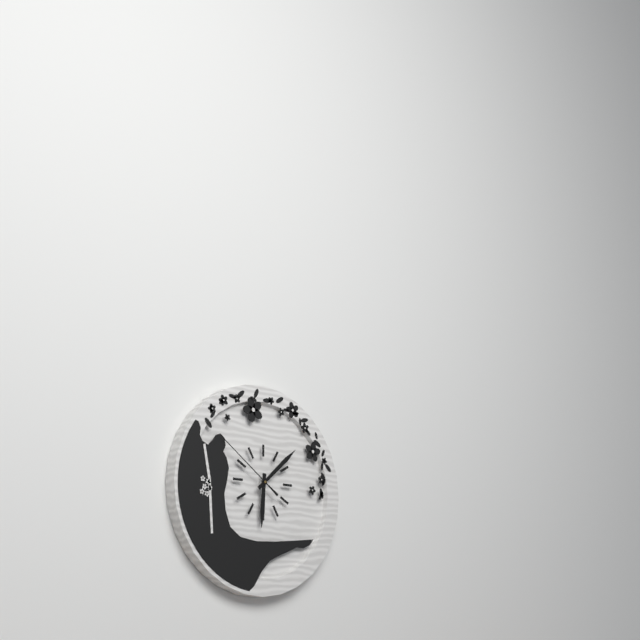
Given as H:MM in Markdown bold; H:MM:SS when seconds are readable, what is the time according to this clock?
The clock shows **6:08:51**
